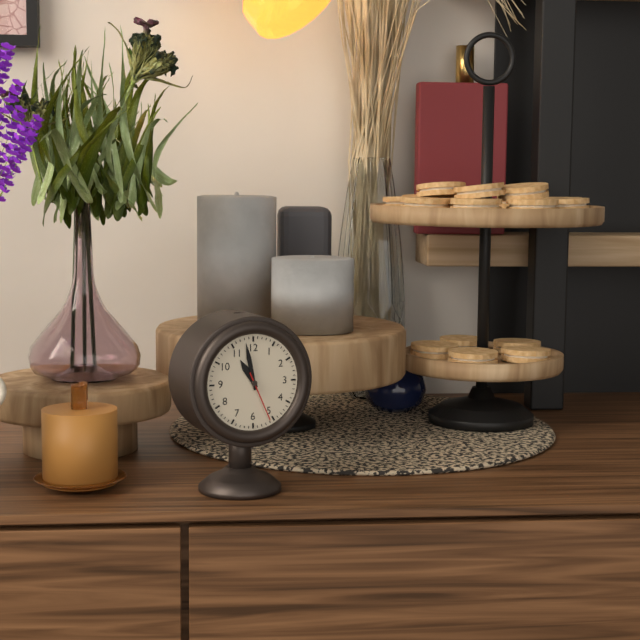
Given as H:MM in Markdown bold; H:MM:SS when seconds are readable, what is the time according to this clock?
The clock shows **10:58:26**
